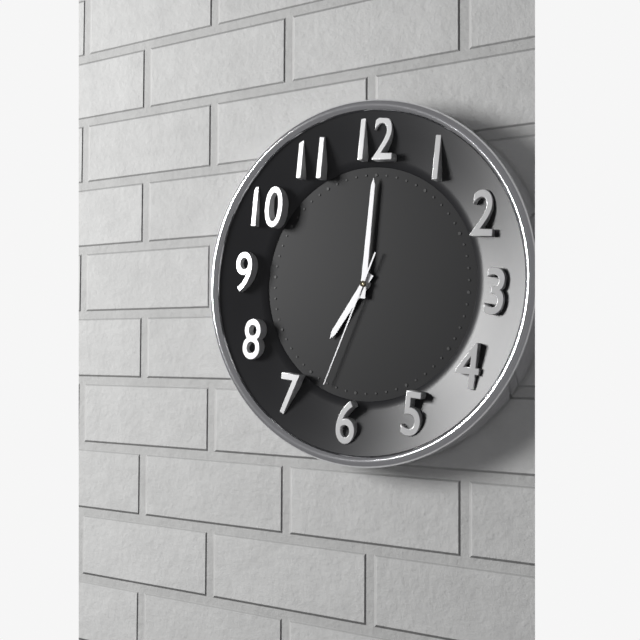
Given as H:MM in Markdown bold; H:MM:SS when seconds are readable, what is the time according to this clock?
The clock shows **7:00:33**
